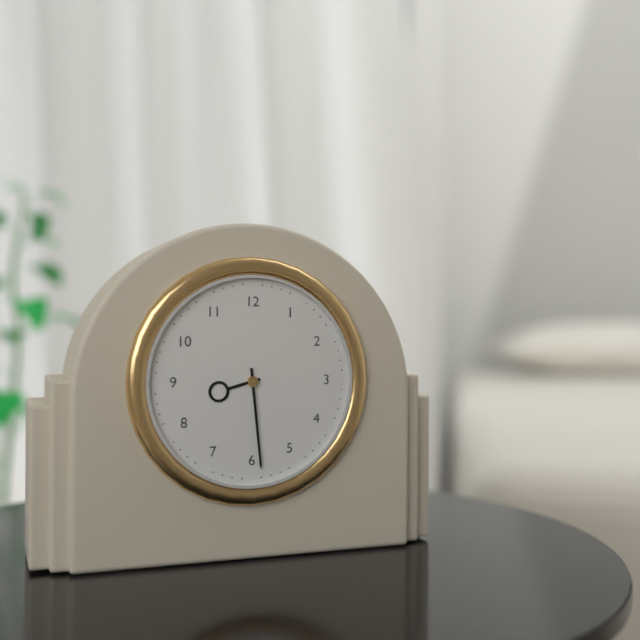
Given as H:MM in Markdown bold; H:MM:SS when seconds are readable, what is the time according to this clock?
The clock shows **8:29**
